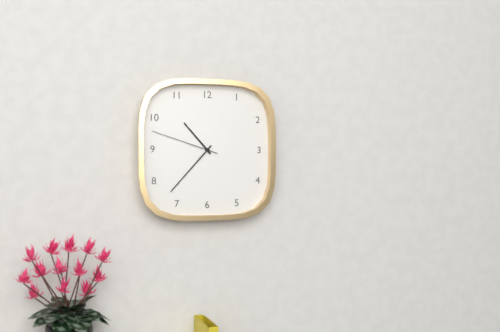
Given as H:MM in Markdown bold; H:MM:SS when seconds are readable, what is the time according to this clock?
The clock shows **10:37:48**
